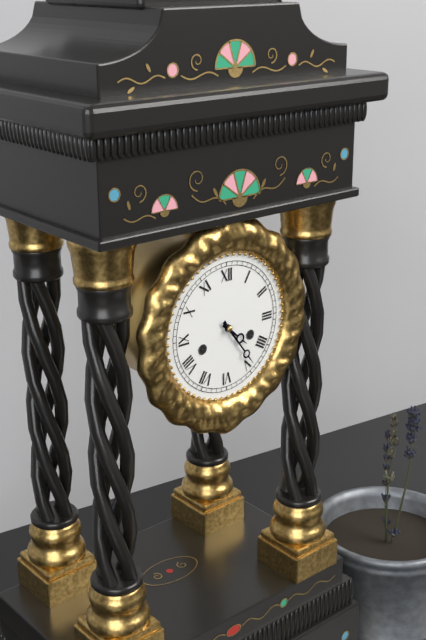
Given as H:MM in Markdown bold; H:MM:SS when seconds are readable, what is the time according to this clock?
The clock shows **4:24**
